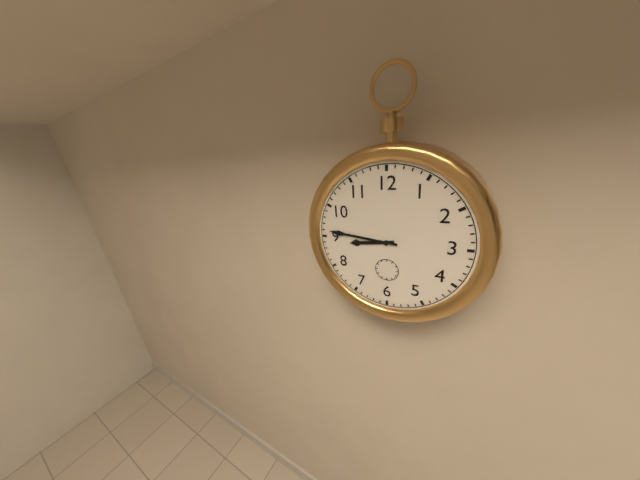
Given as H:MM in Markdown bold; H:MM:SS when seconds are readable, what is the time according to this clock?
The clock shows **8:46**
